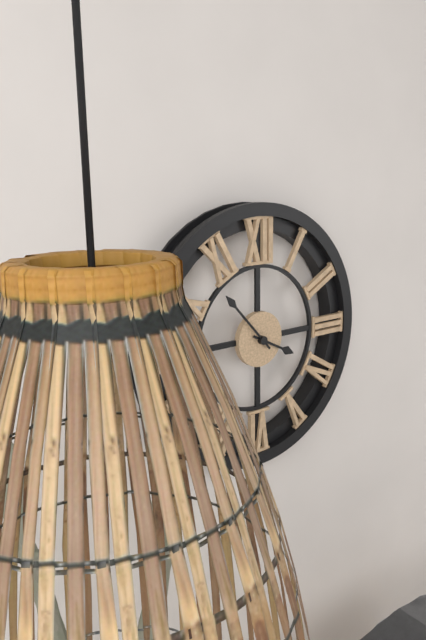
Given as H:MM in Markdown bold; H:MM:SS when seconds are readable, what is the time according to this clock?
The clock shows **3:53**
